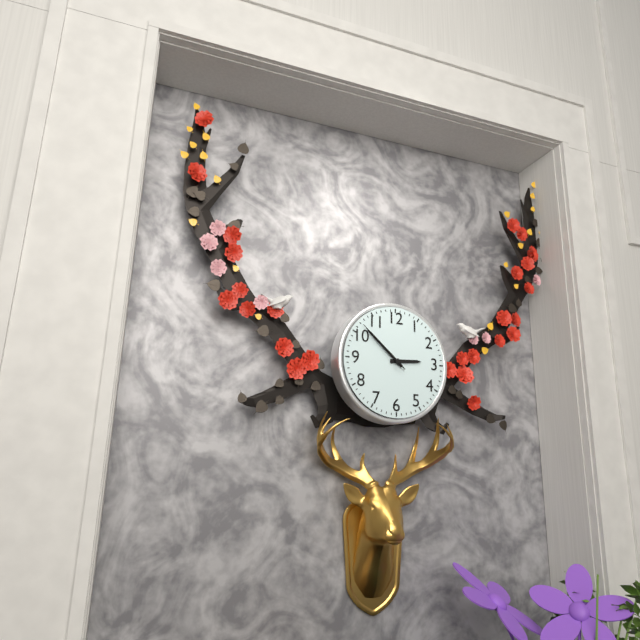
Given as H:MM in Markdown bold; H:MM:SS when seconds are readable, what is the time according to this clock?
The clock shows **2:52:52**
